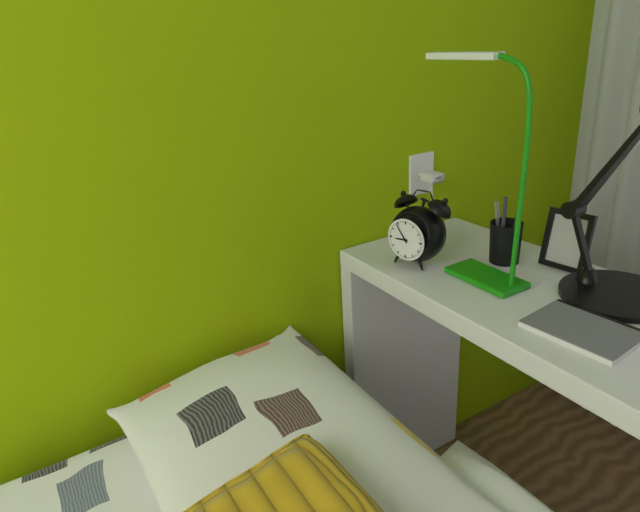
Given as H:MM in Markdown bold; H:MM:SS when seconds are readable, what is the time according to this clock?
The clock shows **8:54**
